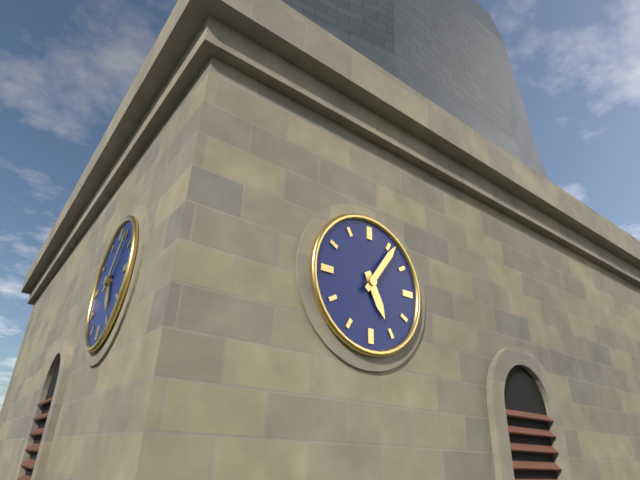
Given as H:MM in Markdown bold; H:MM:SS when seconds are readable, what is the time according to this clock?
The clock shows **5:06**
